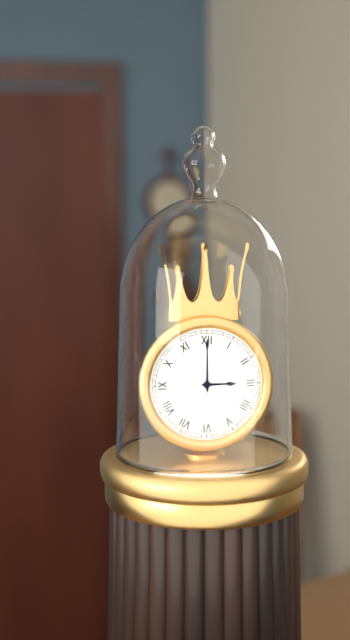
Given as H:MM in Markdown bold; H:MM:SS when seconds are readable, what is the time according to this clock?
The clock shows **3:00**
